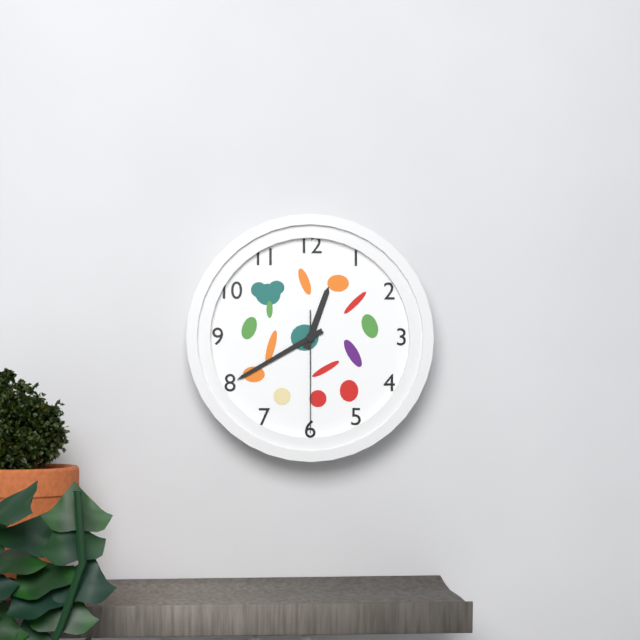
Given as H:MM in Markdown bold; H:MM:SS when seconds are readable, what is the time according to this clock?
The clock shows **12:40:30**
